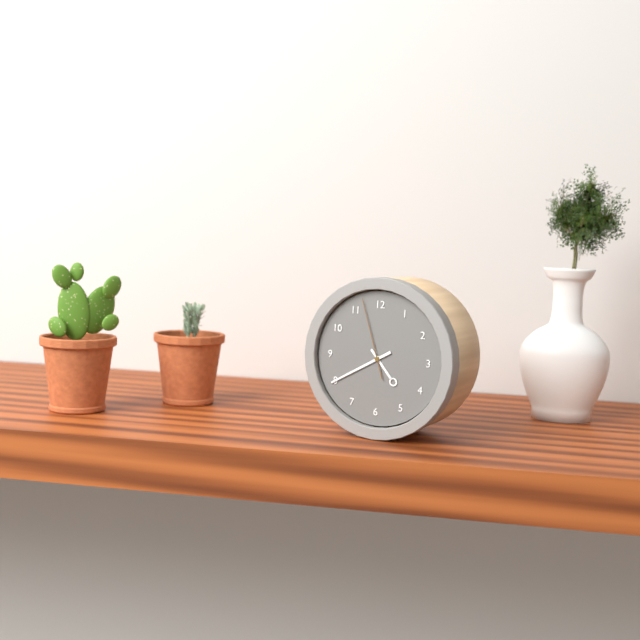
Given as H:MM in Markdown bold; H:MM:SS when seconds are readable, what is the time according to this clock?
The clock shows **4:40:57**
